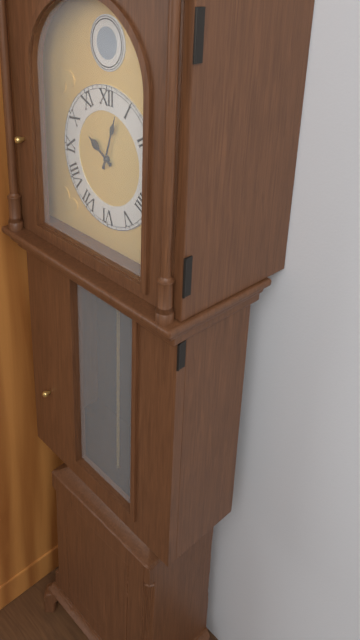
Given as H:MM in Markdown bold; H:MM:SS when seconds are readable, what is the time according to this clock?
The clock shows **10:03**
